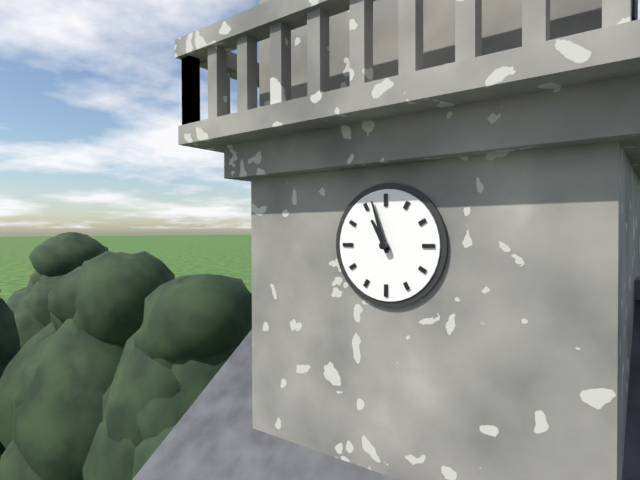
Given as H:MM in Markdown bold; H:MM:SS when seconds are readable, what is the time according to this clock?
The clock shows **10:57**
